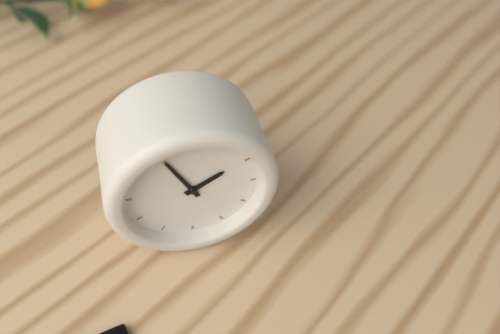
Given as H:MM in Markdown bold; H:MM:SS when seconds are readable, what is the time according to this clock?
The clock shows **1:55**
